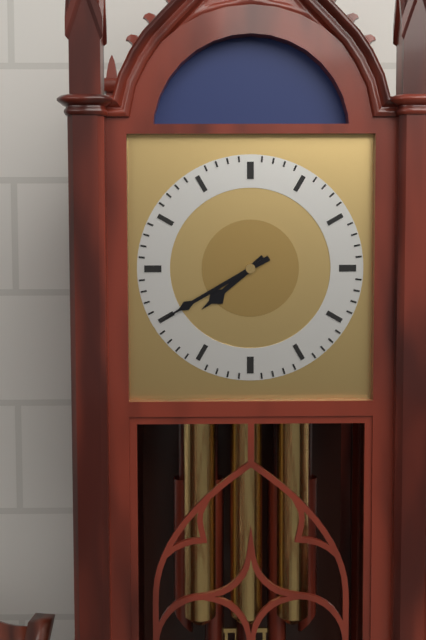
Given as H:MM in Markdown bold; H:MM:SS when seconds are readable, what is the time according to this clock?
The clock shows **7:40**
